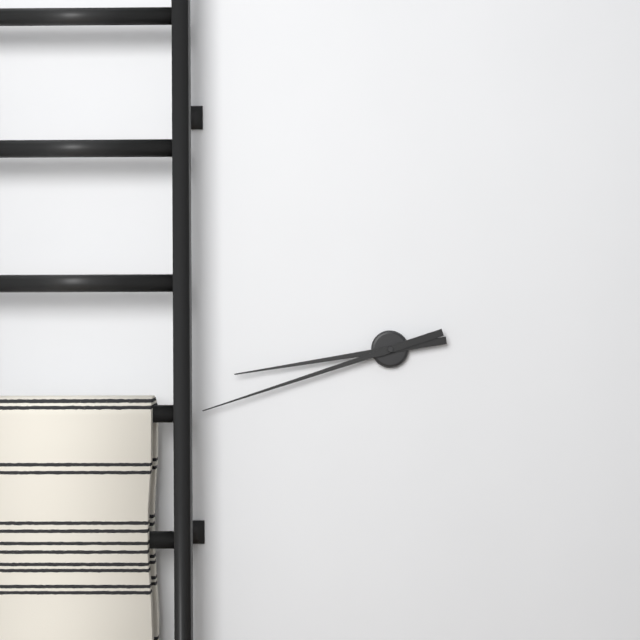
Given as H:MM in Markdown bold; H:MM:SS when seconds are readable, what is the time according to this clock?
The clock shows **8:42**
